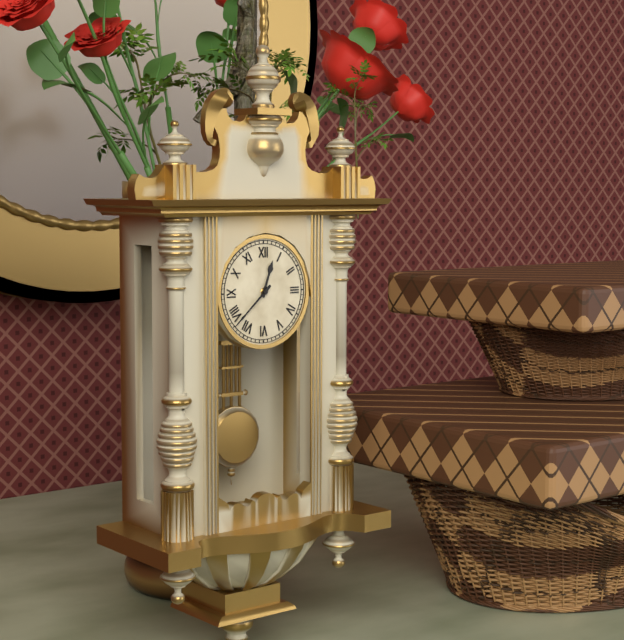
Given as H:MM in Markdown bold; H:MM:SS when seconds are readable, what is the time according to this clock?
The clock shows **12:38**
